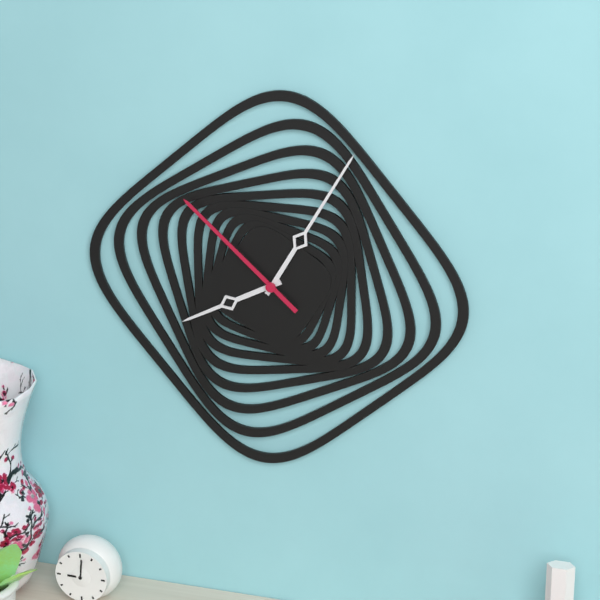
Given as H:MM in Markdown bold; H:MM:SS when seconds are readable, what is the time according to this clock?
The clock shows **8:05:52**
